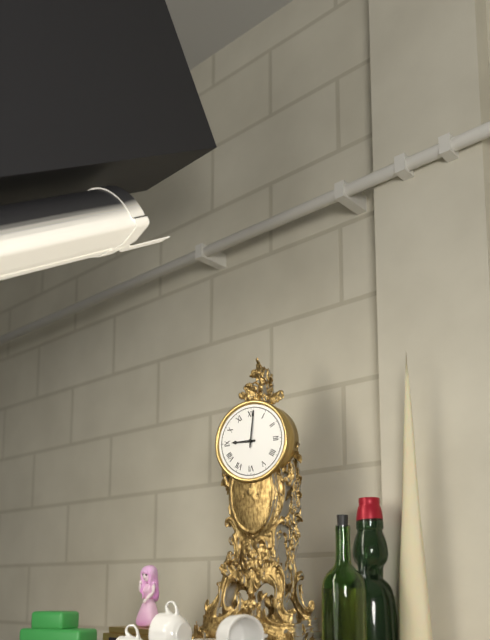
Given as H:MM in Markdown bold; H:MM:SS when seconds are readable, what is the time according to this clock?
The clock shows **9:01**
